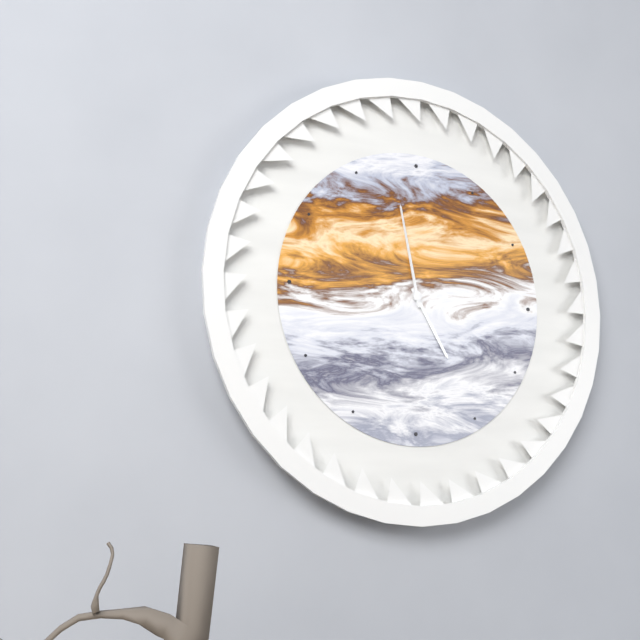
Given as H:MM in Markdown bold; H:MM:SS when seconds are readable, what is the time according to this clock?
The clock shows **4:58**
